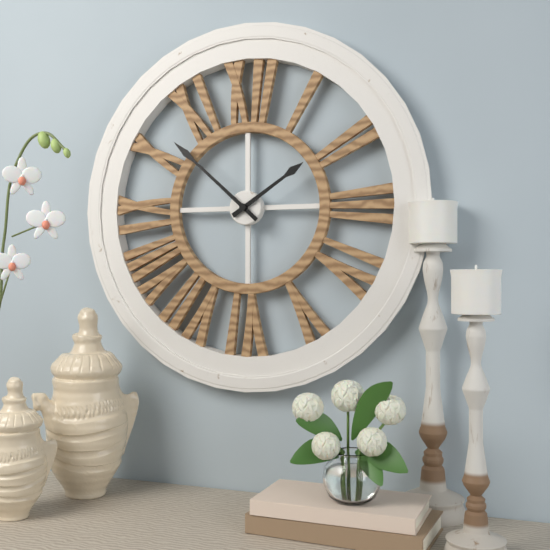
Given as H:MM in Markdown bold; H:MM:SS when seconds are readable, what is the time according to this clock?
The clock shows **1:52**
